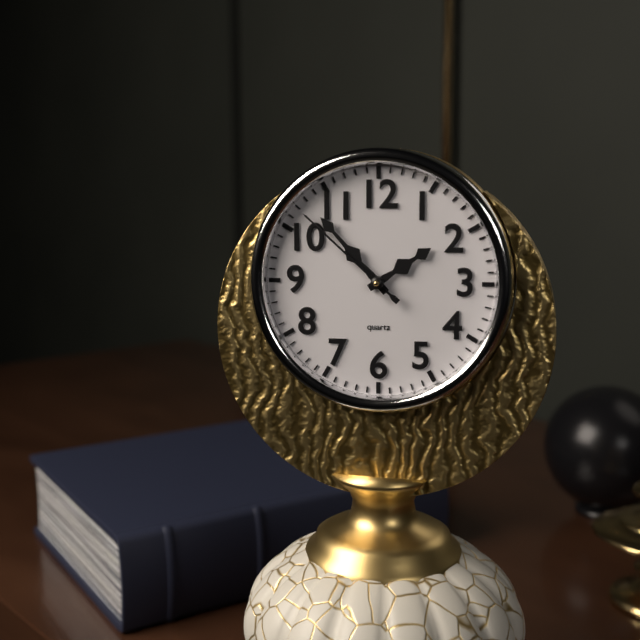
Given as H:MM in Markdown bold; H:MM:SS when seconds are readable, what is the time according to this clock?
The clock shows **1:53:52**
